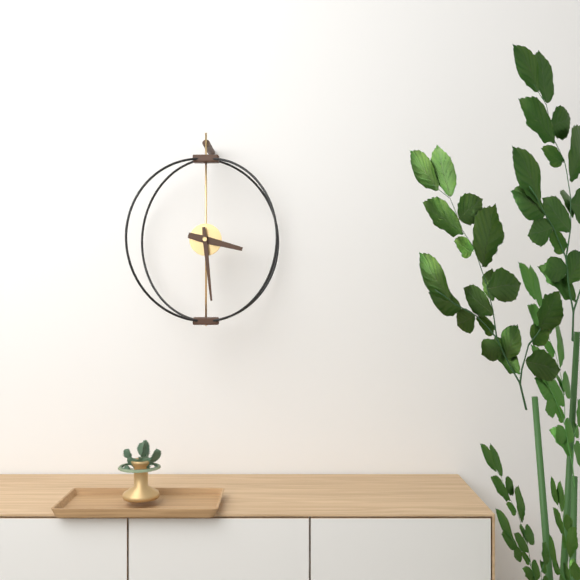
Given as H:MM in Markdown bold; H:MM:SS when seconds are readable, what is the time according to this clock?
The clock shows **3:29**
